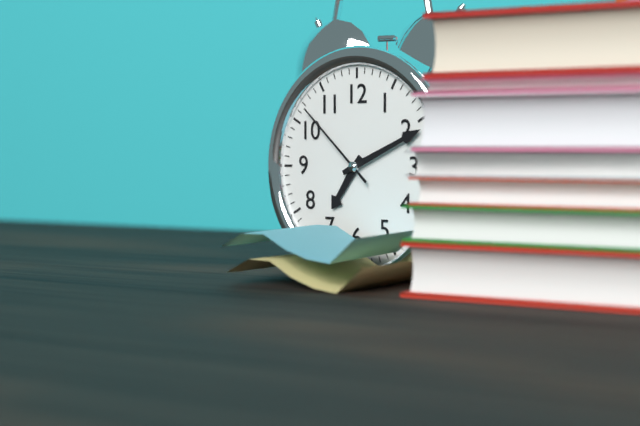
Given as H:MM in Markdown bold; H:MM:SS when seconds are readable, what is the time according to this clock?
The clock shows **7:11:52**
